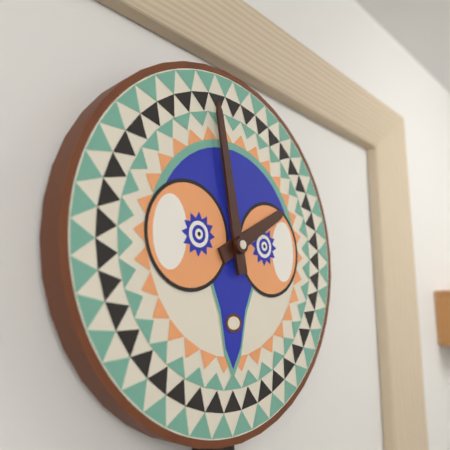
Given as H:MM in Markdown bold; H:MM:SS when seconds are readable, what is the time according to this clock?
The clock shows **1:58**
